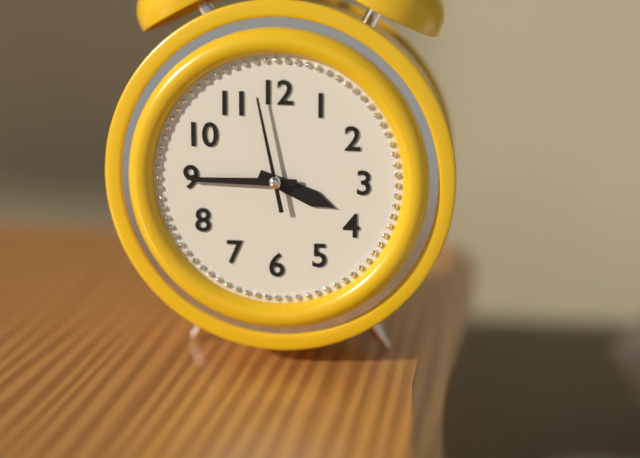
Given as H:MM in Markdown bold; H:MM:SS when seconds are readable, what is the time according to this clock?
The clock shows **3:45:58**
